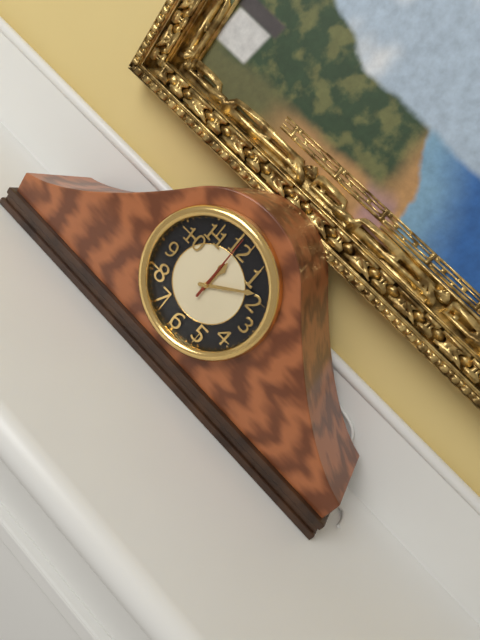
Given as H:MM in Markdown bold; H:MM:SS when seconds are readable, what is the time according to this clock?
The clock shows **12:09:00**
